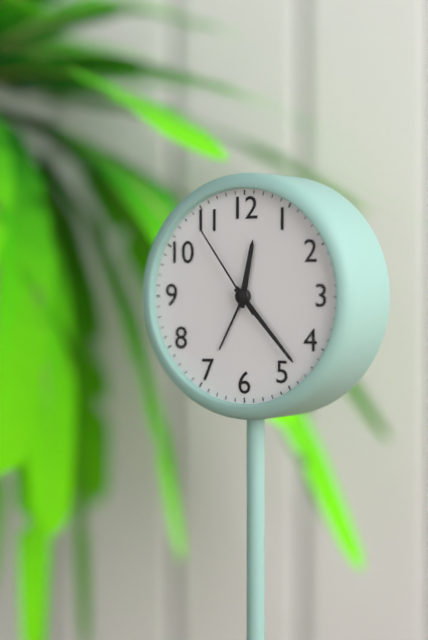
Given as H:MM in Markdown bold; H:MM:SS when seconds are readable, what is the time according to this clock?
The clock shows **12:23:54**
